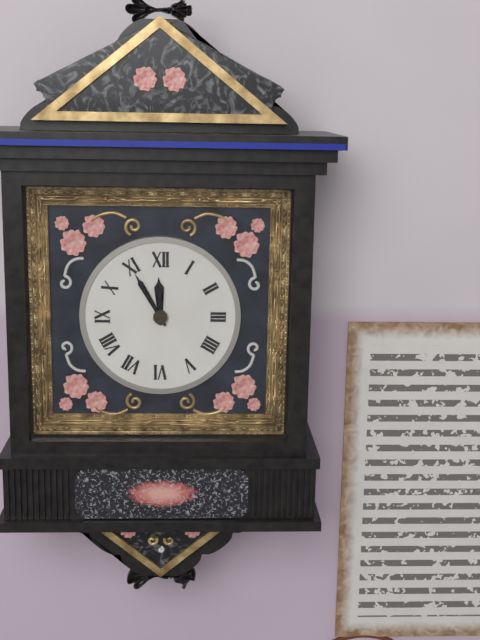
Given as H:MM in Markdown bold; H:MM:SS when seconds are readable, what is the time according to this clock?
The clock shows **11:55**
